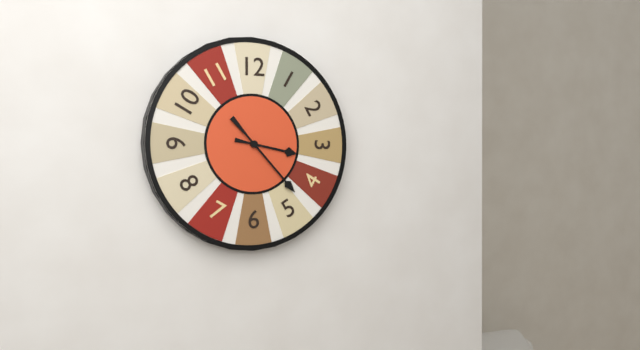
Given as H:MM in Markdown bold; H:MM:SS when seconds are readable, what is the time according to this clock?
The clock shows **3:23**
